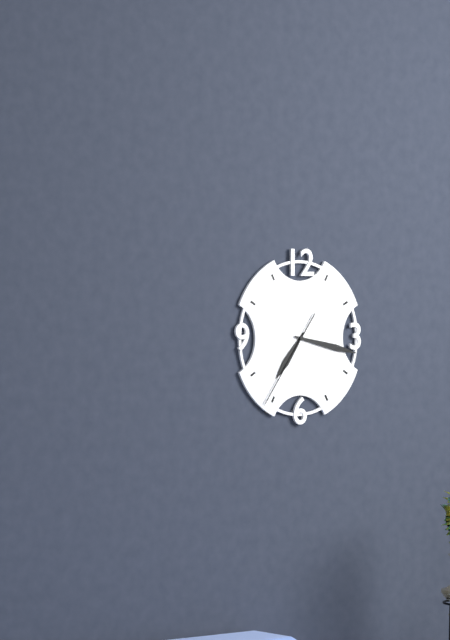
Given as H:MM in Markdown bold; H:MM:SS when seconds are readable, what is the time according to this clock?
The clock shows **7:17:36**
